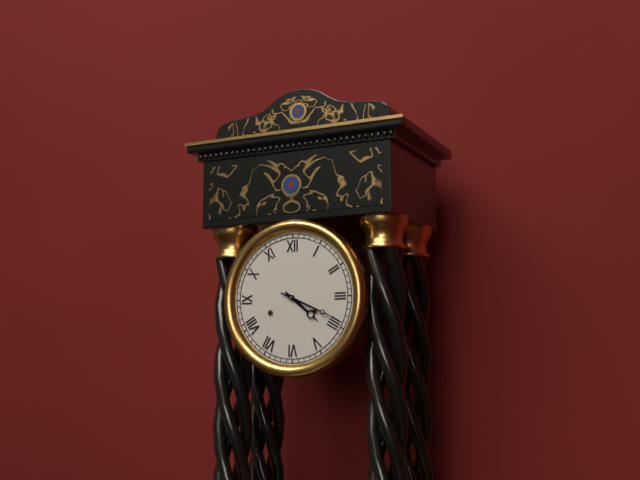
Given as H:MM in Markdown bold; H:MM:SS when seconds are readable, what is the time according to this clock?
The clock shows **4:19**
